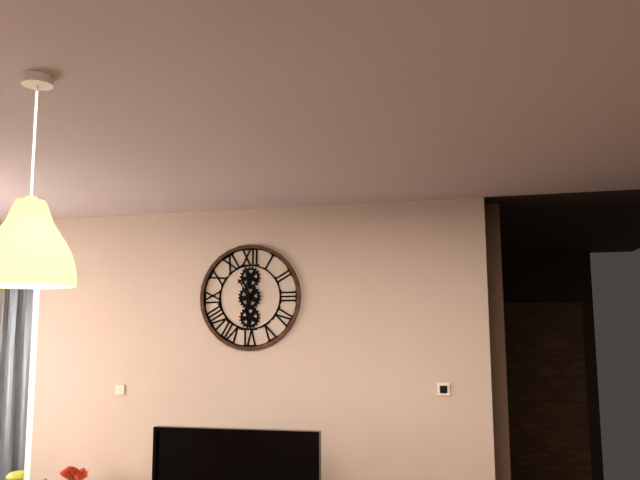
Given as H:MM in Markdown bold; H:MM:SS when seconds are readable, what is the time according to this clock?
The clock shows **10:59**
